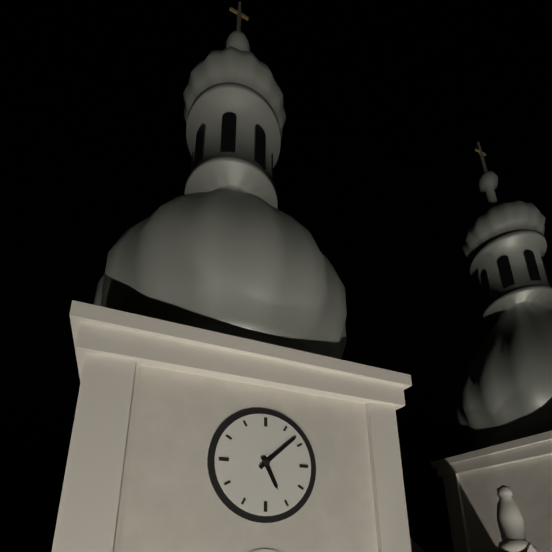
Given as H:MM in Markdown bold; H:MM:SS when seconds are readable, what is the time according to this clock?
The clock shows **5:08**
